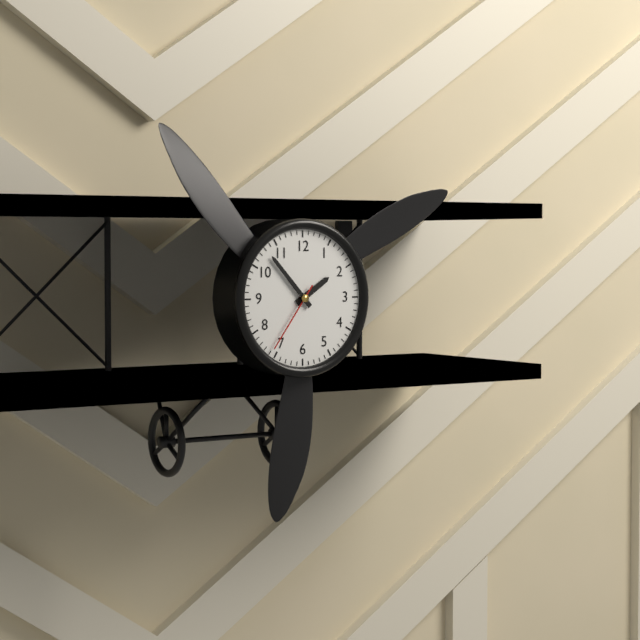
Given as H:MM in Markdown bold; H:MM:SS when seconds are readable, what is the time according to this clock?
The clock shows **1:53:36**
